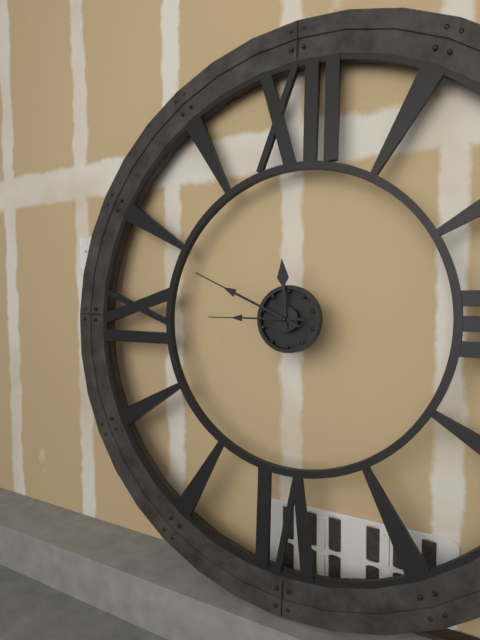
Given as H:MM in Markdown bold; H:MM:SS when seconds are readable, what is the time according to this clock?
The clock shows **11:49:45**
